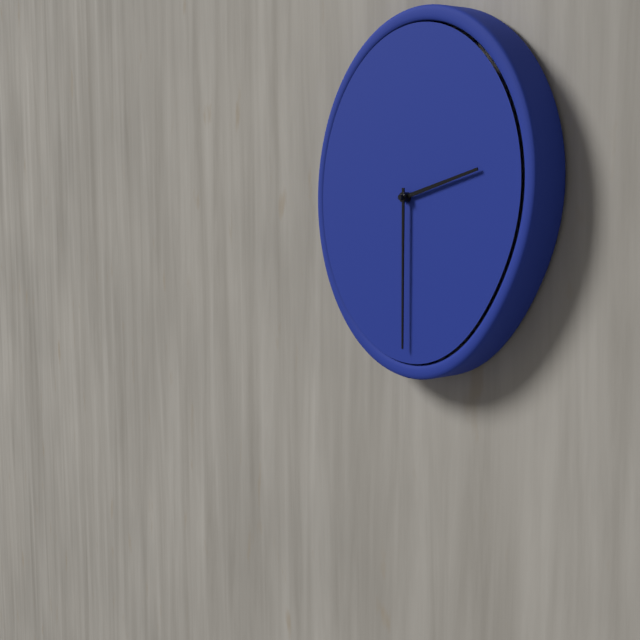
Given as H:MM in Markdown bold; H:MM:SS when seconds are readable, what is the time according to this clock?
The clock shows **2:30**
